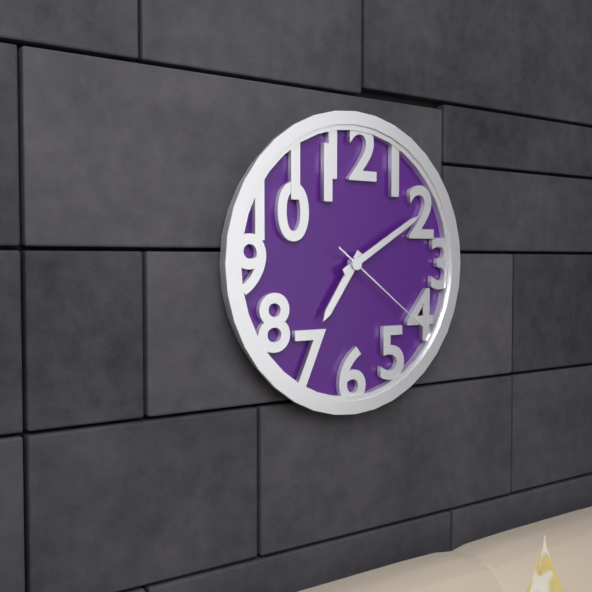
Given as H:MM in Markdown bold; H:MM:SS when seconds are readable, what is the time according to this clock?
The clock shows **7:10:21**
